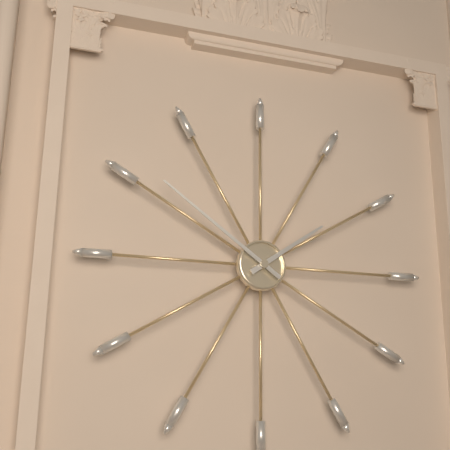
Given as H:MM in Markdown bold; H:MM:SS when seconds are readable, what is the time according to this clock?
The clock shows **1:51**
